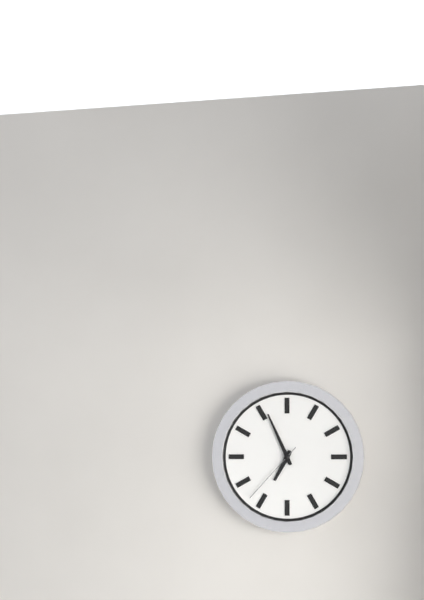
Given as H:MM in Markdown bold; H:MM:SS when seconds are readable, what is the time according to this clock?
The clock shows **6:56:37**
